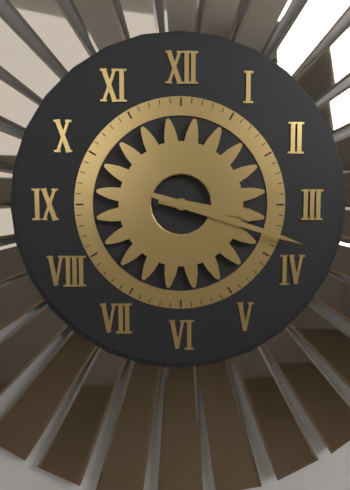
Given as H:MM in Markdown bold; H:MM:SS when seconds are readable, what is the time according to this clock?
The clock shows **3:18**
